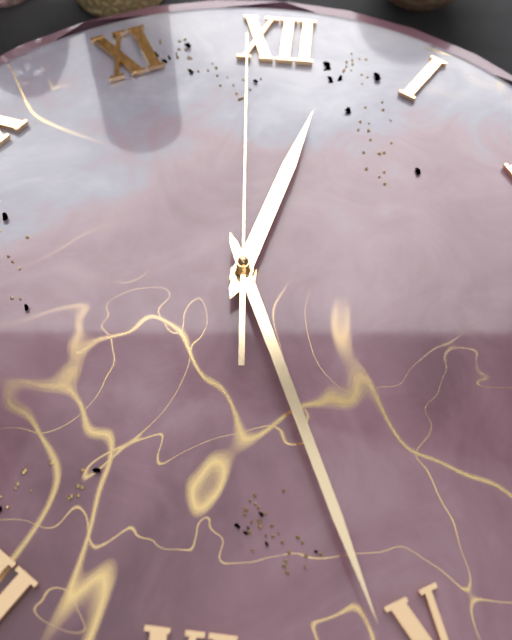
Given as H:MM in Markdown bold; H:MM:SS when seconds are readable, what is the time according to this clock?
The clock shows **12:26:59**
